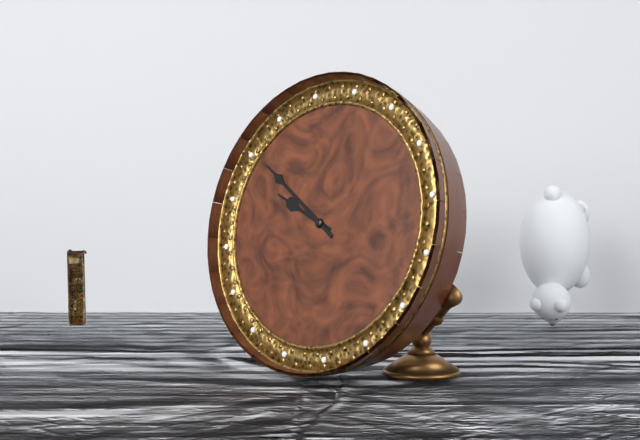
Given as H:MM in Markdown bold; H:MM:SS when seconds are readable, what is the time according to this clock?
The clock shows **9:51**
